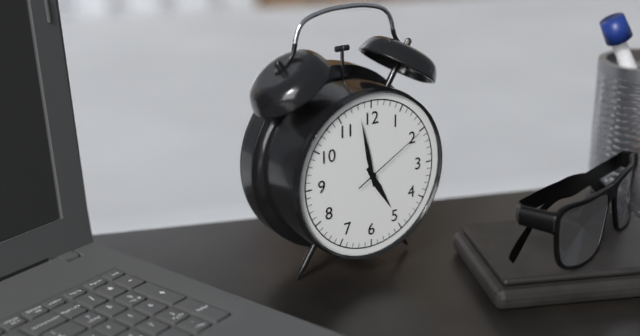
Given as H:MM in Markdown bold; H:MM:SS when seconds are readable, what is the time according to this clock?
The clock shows **4:58:10**
